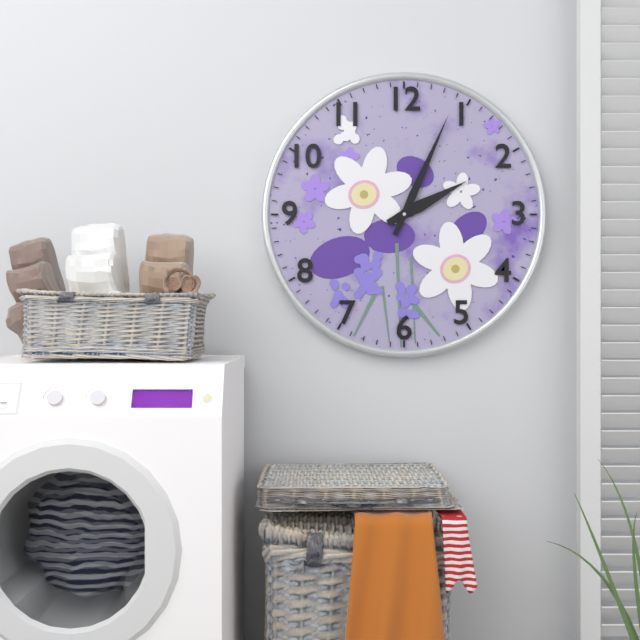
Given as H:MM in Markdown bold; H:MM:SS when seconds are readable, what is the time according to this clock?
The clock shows **2:04**
